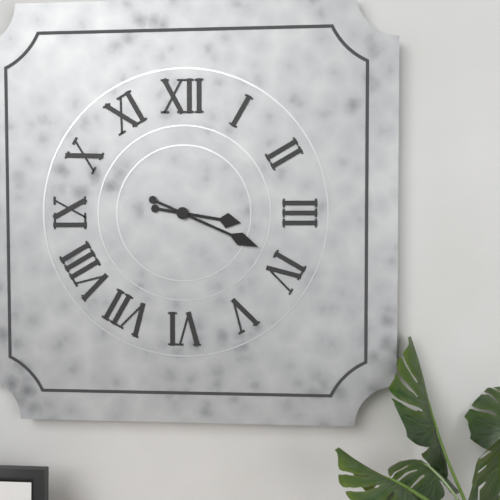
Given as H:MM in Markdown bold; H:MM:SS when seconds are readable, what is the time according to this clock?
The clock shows **3:19**
